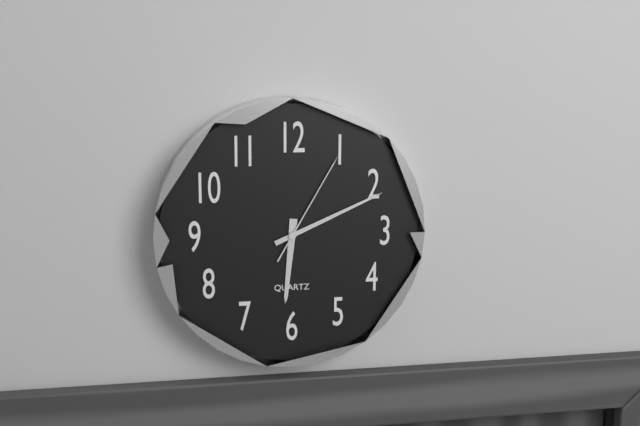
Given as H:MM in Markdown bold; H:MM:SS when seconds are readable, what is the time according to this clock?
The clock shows **6:11:05**
